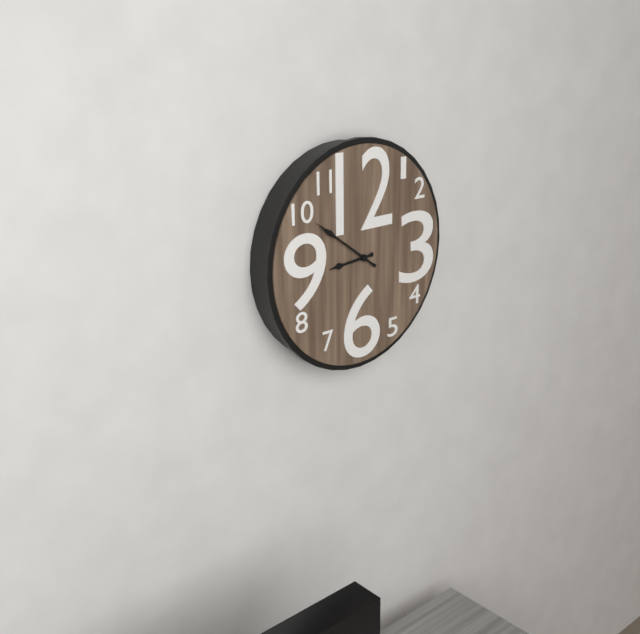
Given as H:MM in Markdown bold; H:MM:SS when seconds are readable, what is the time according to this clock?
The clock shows **8:51**
